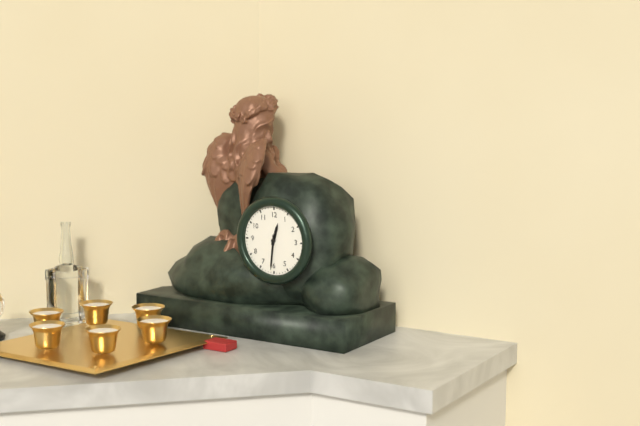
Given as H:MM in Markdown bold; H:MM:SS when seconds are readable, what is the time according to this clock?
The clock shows **12:31**
